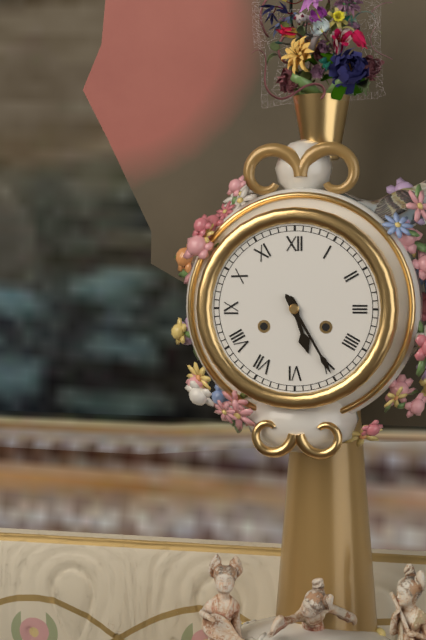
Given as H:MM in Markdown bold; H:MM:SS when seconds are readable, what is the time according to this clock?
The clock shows **5:25**
